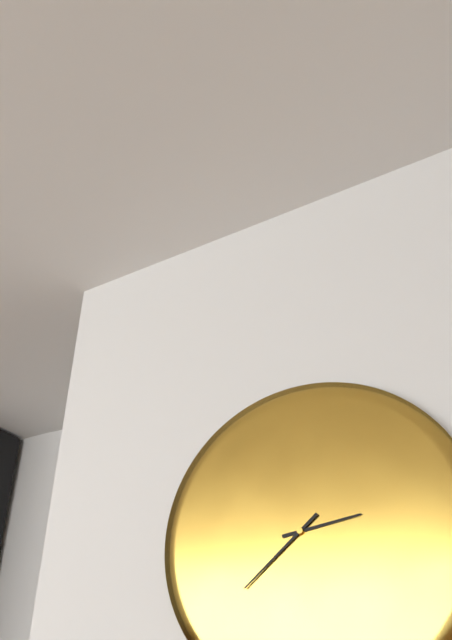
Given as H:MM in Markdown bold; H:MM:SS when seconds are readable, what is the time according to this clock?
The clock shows **2:38**
